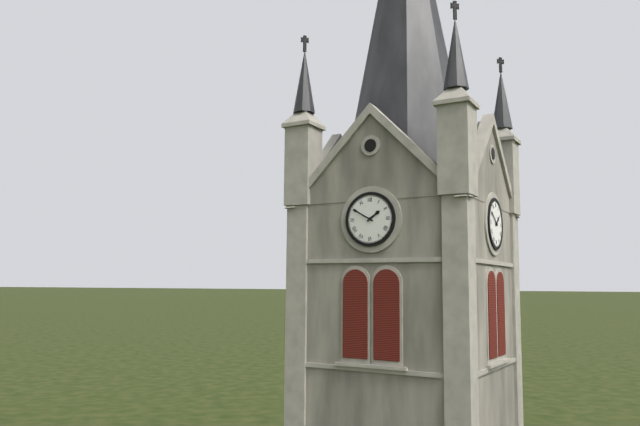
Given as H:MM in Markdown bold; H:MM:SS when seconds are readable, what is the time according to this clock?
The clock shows **1:50**
